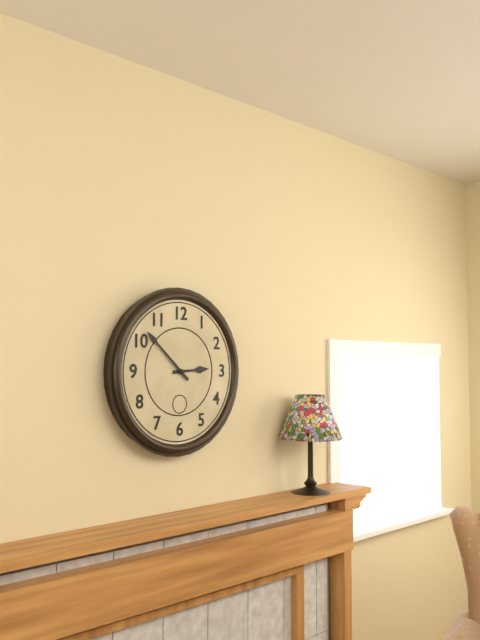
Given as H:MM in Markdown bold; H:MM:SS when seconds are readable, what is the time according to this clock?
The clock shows **2:52**
